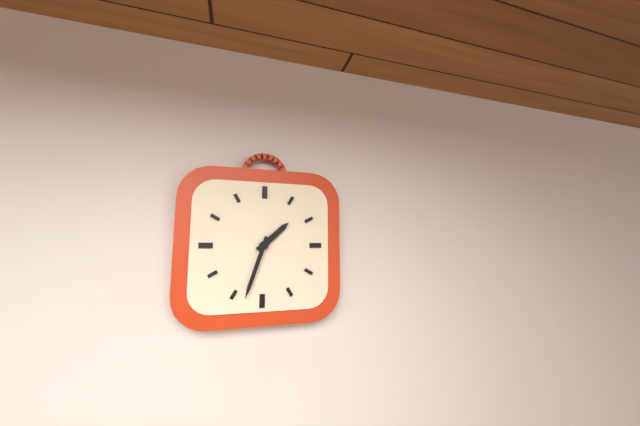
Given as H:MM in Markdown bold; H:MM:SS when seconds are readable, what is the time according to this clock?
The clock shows **1:33**
